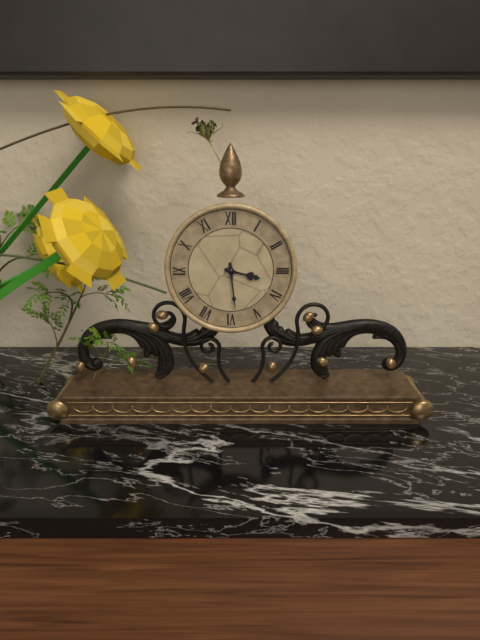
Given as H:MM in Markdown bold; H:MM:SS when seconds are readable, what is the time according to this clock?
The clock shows **3:29**
